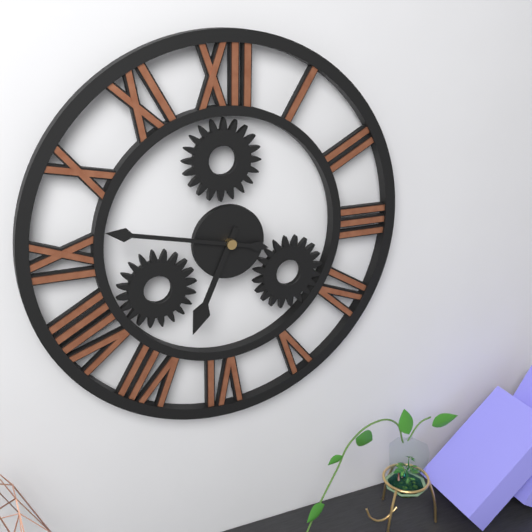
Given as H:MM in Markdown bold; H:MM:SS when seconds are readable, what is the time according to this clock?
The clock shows **6:47**
